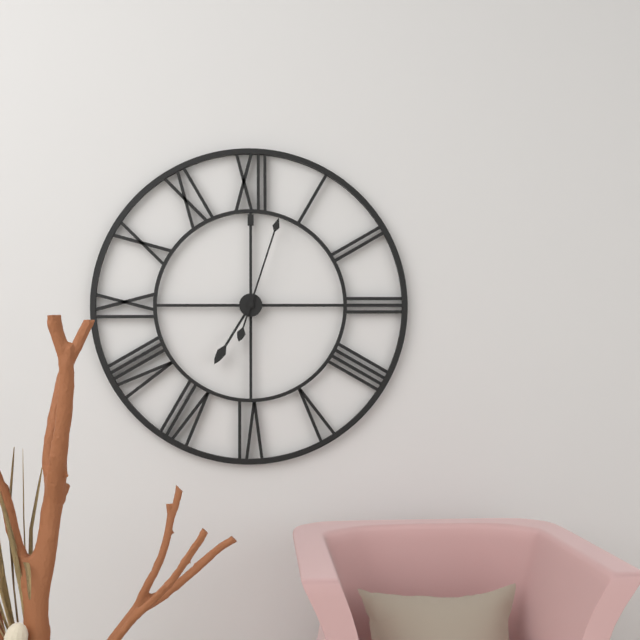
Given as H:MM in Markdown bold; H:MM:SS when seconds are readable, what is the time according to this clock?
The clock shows **7:03**
